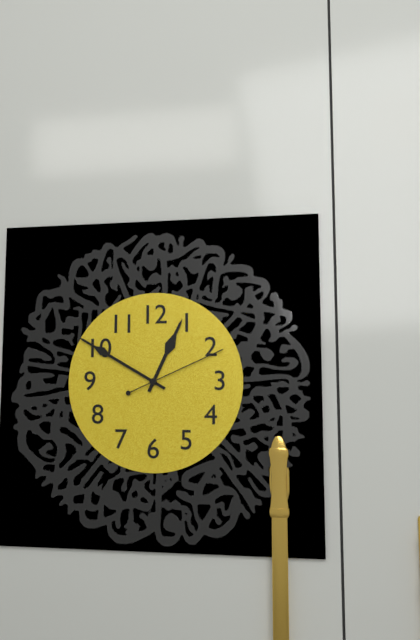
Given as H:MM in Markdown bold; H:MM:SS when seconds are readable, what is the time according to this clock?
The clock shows **12:50:11**
